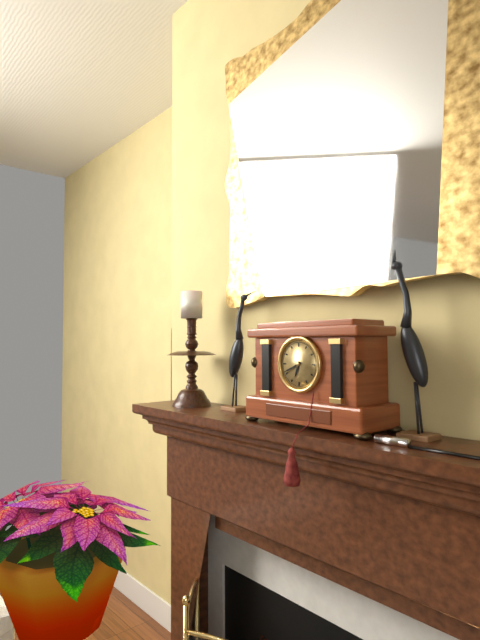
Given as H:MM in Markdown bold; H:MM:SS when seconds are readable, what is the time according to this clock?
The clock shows **6:41**
